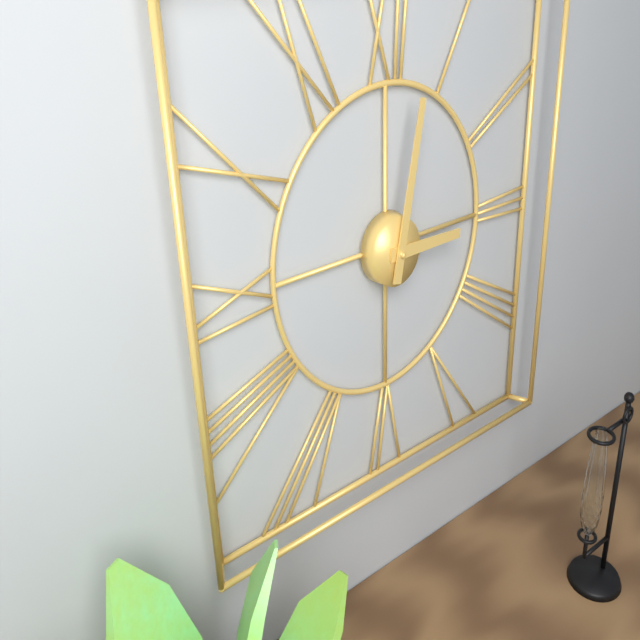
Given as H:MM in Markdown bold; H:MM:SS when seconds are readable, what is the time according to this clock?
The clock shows **3:02**
